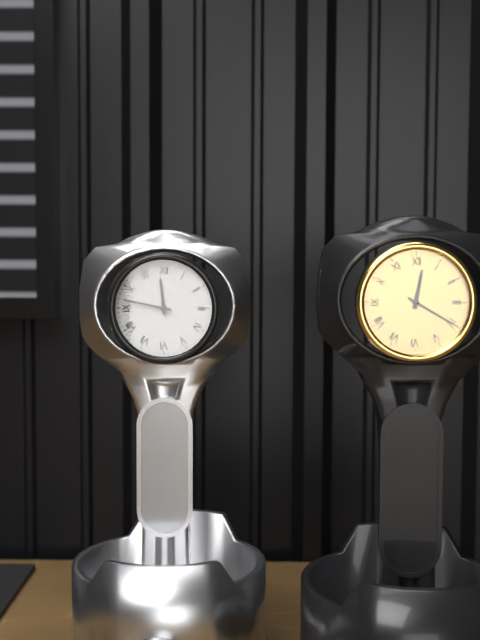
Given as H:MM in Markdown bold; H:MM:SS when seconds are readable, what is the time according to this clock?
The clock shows **11:47**
